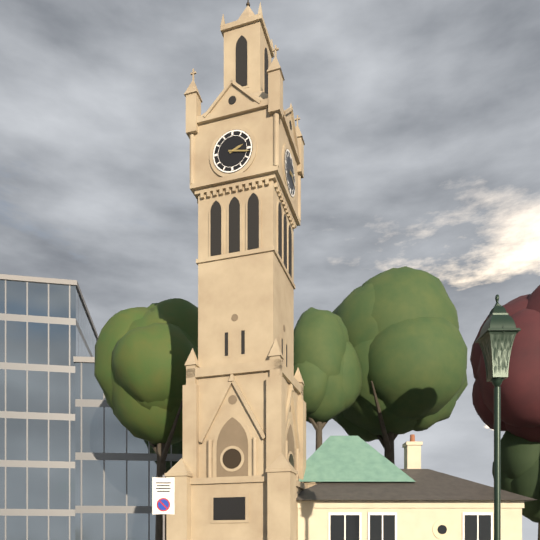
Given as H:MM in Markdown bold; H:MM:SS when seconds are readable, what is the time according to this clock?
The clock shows **2:17**
